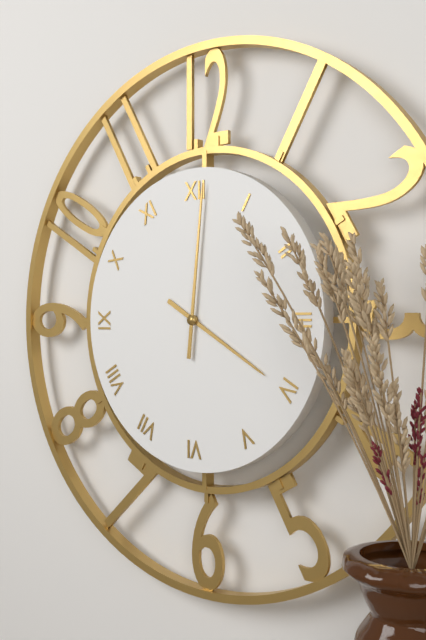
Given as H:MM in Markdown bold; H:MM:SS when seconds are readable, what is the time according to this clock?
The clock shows **4:01**
